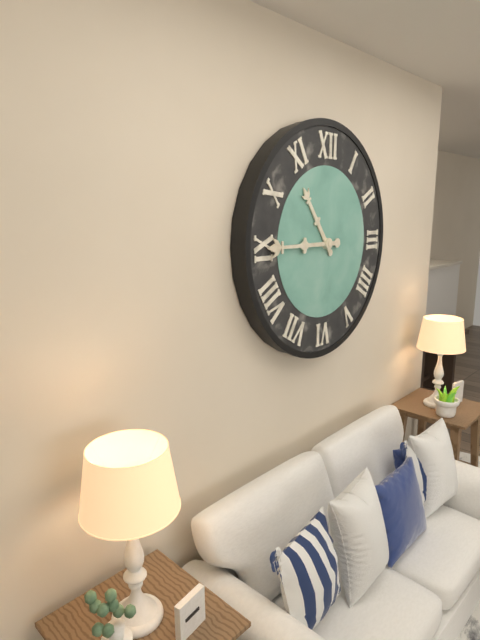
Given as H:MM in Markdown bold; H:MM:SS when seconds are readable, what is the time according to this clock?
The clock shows **10:45**
